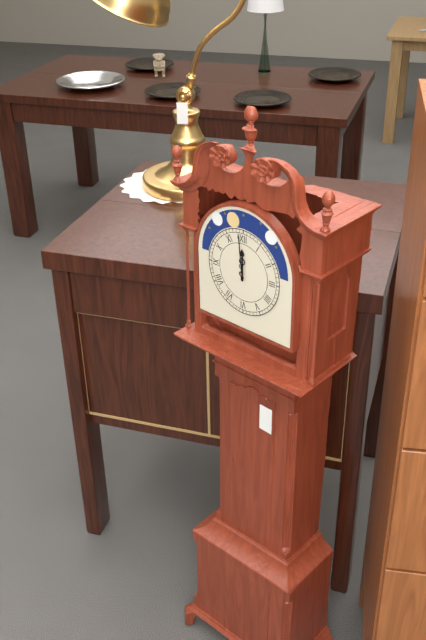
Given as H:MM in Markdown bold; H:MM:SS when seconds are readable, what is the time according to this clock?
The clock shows **11:59**
